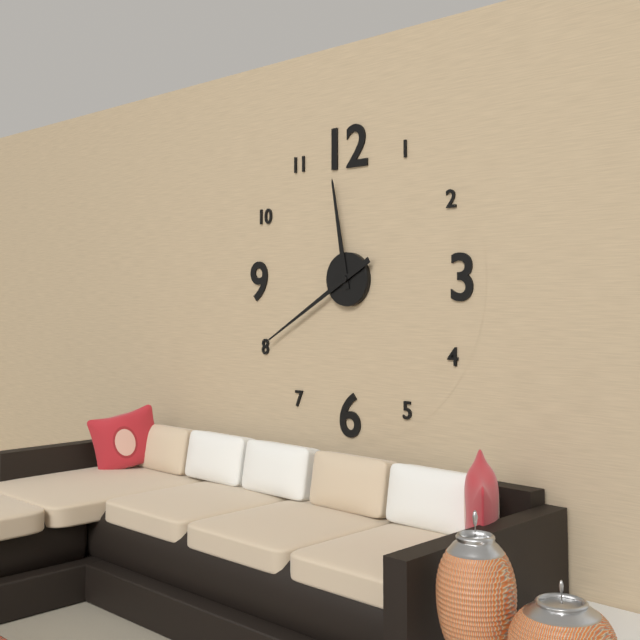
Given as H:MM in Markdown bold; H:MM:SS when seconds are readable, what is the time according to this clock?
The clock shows **11:40**
